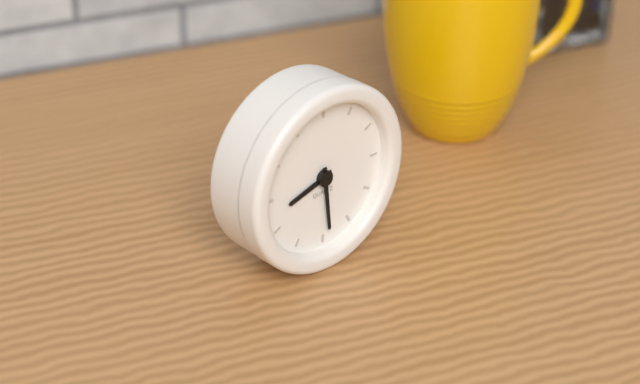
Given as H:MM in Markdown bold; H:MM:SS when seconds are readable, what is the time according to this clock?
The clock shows **8:29**
